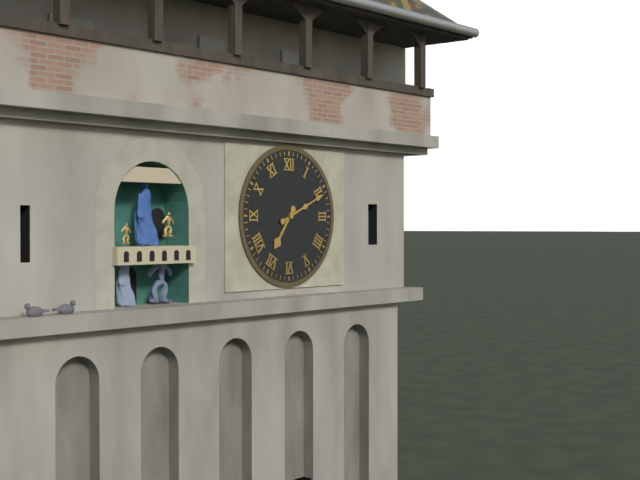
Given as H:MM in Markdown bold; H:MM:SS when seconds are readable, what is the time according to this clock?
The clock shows **7:11**
